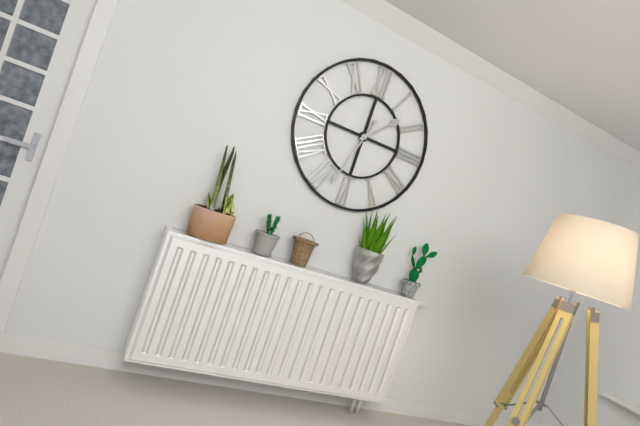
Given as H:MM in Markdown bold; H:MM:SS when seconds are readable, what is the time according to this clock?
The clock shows **1:33**
